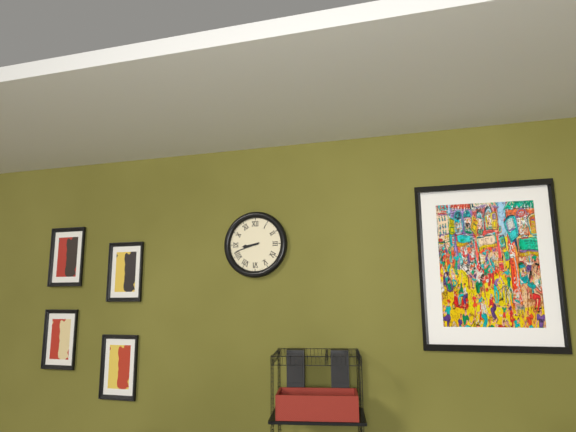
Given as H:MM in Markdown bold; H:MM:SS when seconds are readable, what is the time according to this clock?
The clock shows **8:42**
